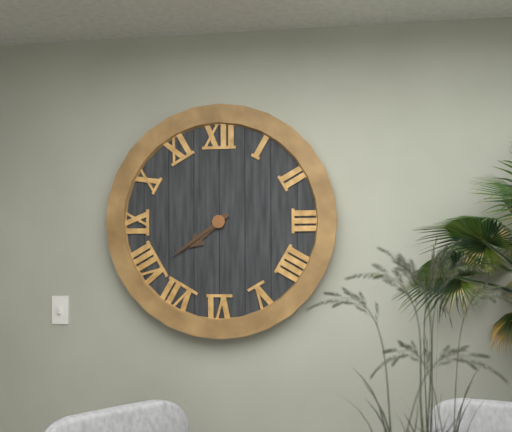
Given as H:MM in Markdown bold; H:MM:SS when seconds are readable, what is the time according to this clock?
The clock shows **7:39**
